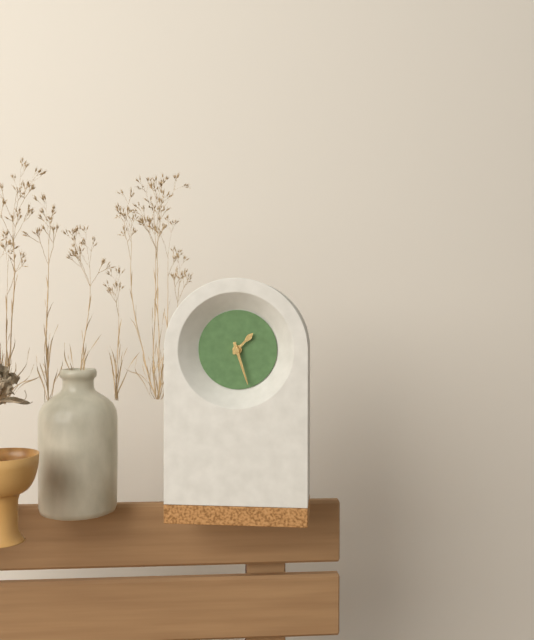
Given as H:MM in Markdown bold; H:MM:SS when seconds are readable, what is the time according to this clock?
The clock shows **1:27**
